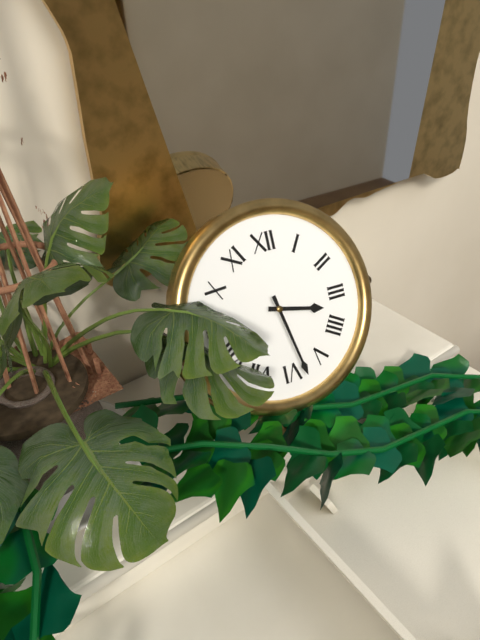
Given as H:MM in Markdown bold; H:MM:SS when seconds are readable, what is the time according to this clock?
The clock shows **3:28**
